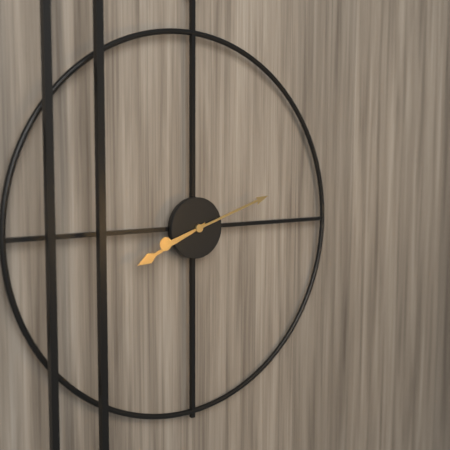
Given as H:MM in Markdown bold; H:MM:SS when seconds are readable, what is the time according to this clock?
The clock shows **8:12**
